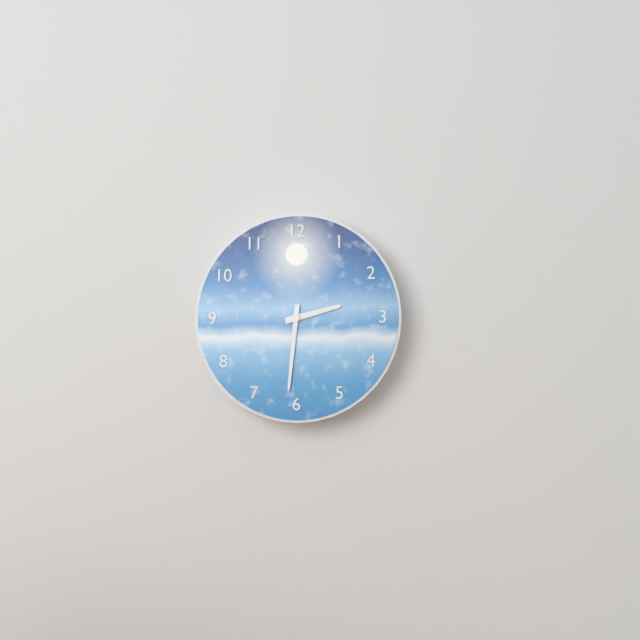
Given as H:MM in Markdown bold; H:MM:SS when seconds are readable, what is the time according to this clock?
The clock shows **2:31**
